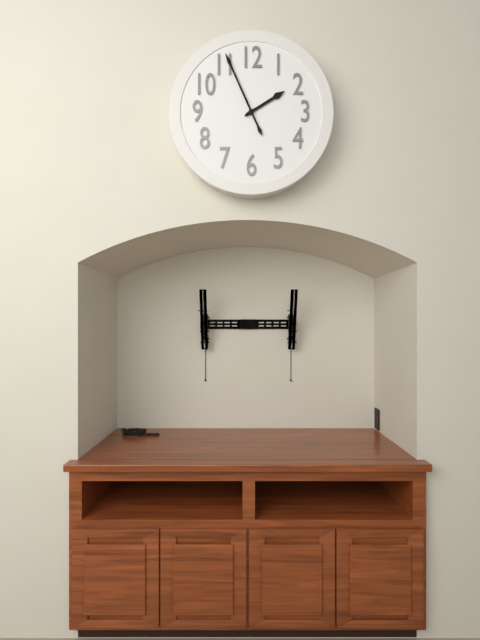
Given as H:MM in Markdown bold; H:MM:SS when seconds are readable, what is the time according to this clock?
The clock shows **1:56**
